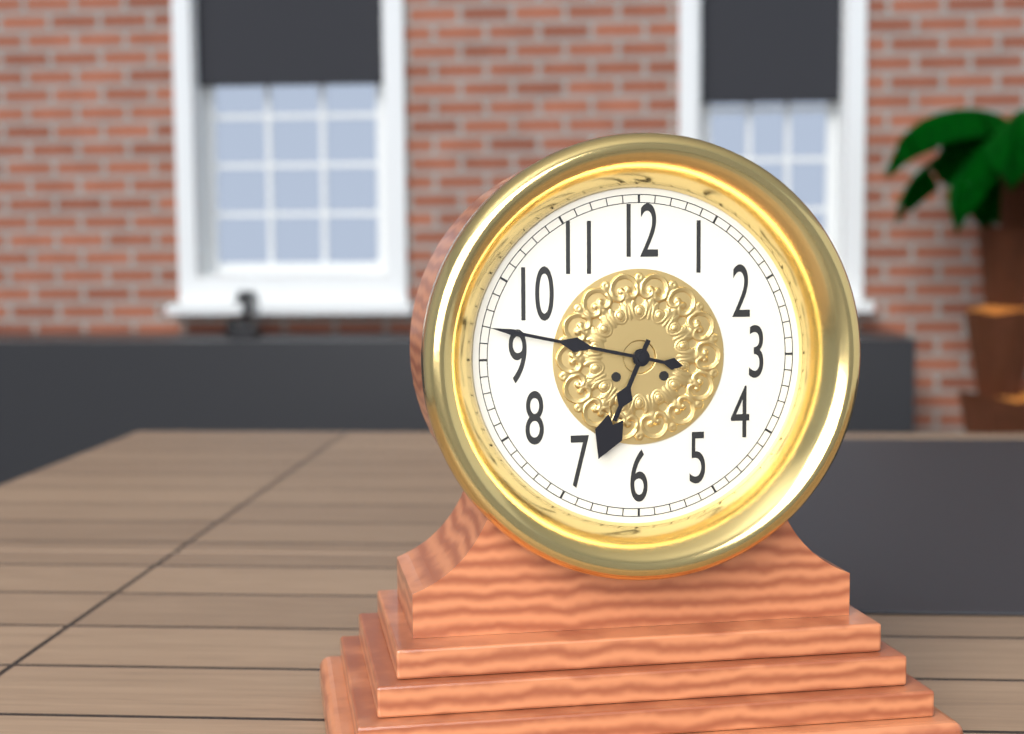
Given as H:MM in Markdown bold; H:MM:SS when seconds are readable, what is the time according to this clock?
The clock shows **6:47**
